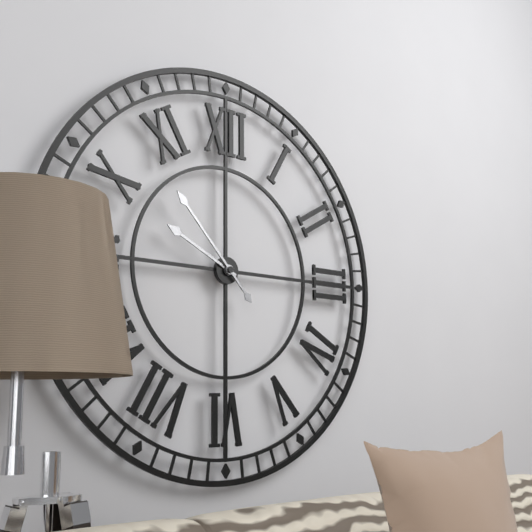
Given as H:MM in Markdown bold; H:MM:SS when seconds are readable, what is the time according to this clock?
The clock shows **9:53**
